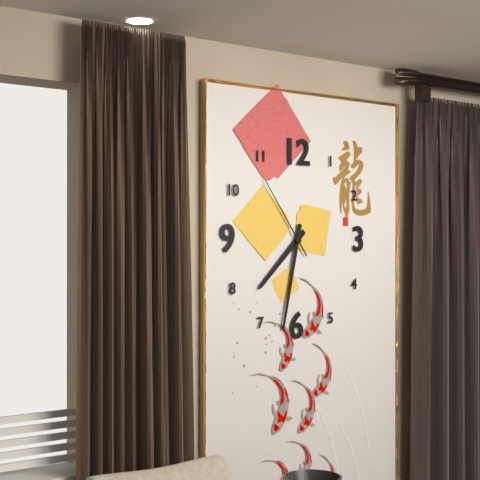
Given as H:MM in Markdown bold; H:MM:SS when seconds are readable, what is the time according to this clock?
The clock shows **7:32:54**
